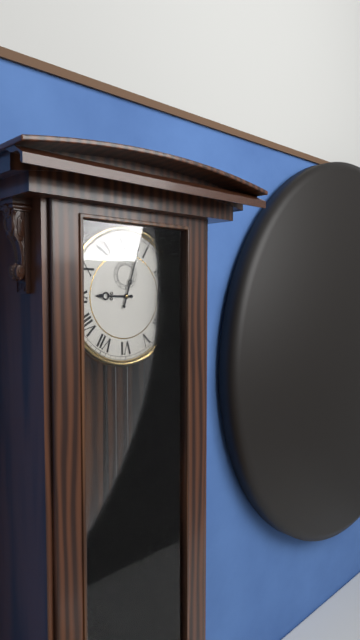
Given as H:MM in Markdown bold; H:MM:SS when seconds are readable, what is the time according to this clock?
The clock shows **9:03**
